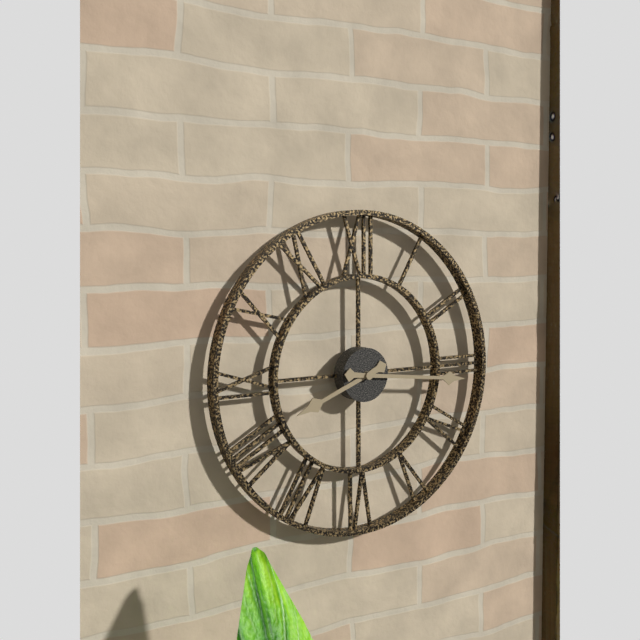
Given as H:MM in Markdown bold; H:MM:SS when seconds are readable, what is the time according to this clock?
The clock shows **8:16**
